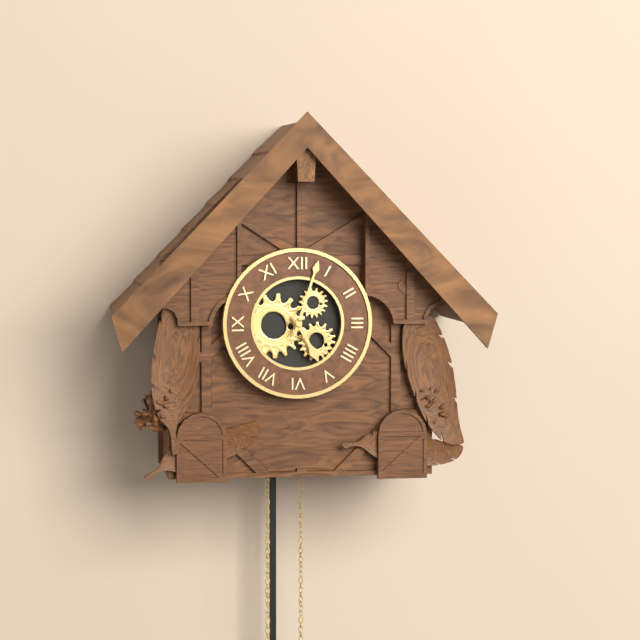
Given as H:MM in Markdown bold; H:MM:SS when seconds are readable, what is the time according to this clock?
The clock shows **5:03**
